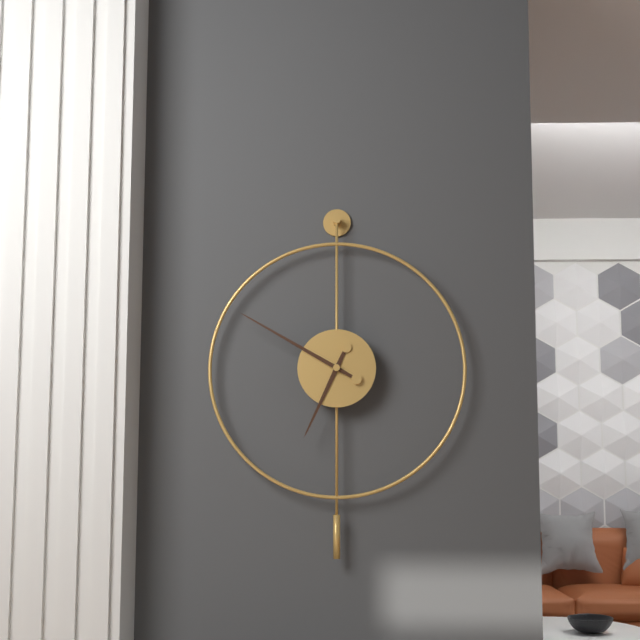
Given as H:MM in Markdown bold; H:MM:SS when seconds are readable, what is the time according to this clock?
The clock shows **6:50**
